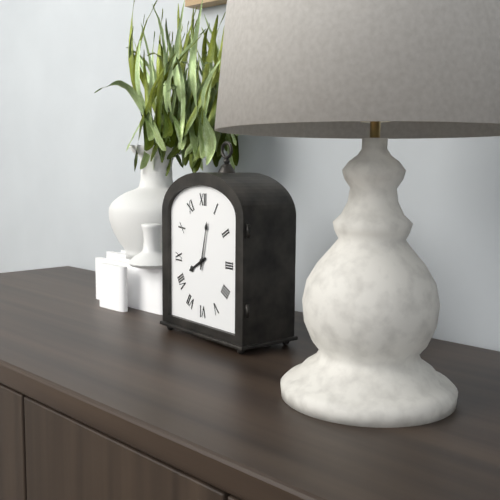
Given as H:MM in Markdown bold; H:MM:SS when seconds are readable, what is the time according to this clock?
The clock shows **8:02**
